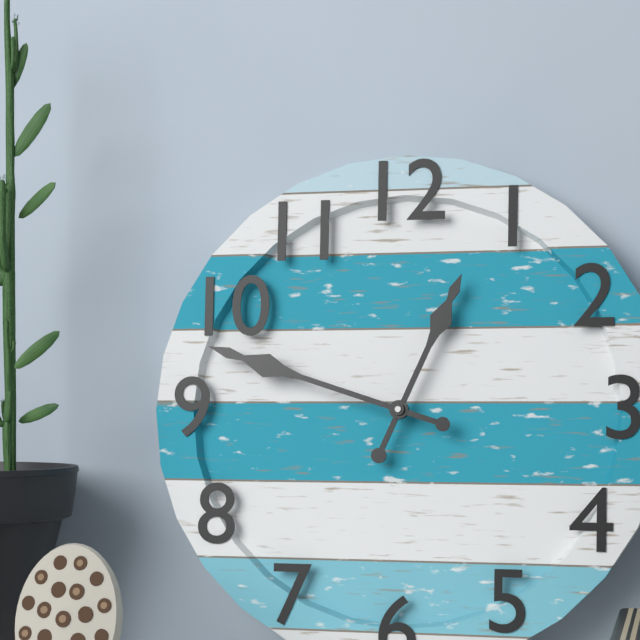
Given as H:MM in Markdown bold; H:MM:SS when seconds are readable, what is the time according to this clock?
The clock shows **12:48**
